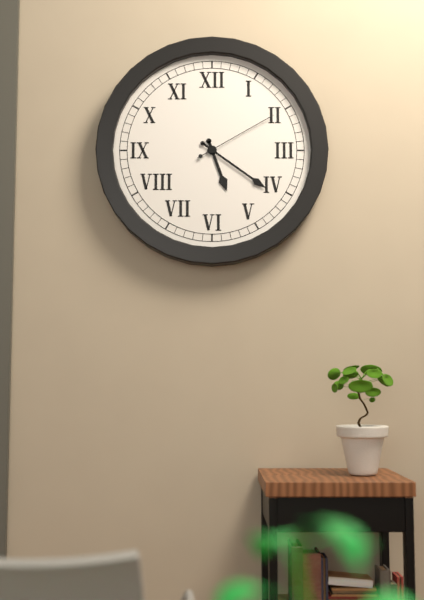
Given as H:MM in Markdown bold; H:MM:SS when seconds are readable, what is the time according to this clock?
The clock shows **5:21:10**
